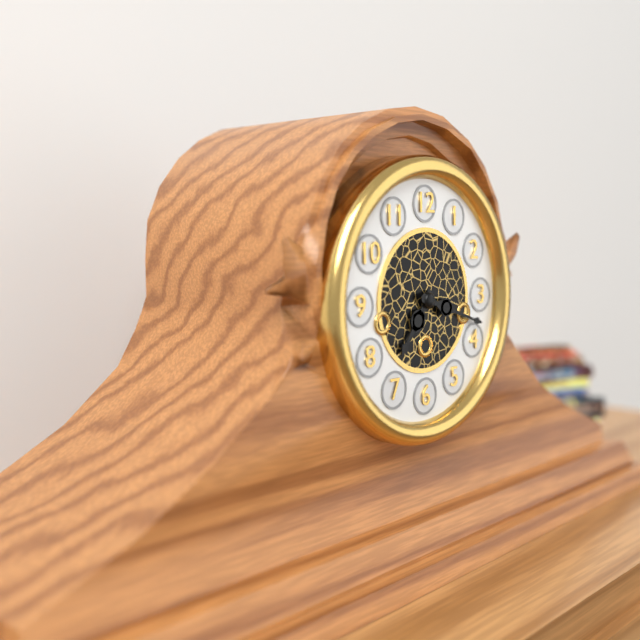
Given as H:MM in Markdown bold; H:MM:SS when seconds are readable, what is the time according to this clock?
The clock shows **7:18**
